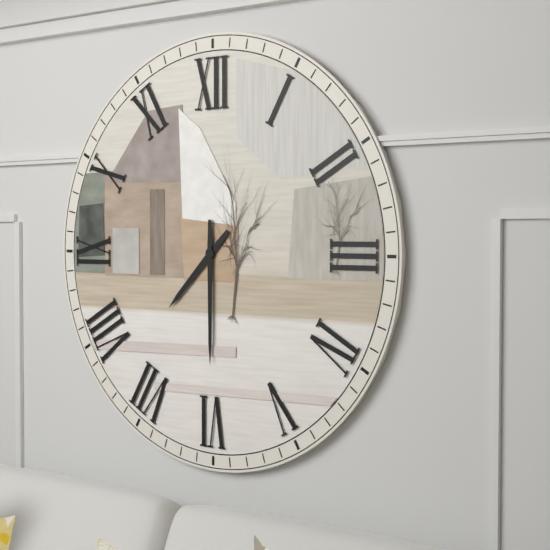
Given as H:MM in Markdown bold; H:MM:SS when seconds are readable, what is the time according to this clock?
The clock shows **7:30**
